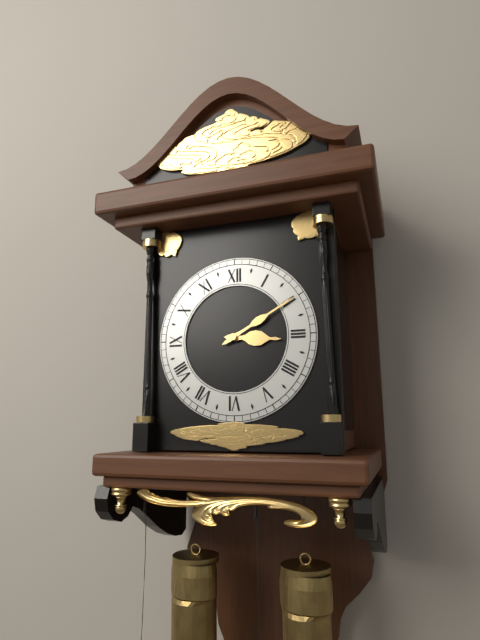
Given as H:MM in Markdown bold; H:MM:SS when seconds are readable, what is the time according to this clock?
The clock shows **3:10**
